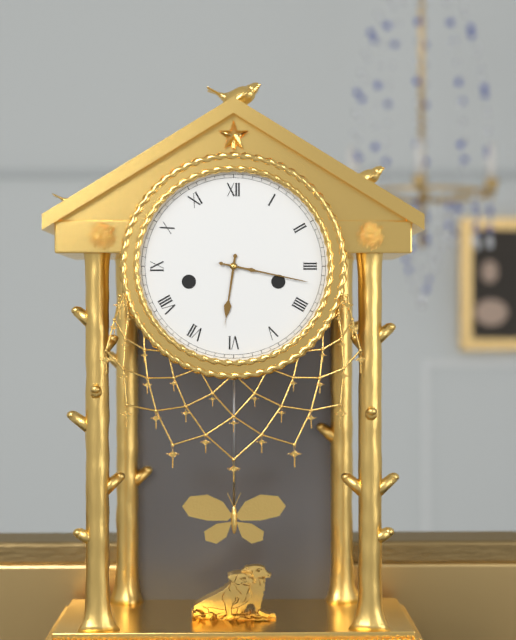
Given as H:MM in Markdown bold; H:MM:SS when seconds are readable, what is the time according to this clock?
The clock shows **6:17**
